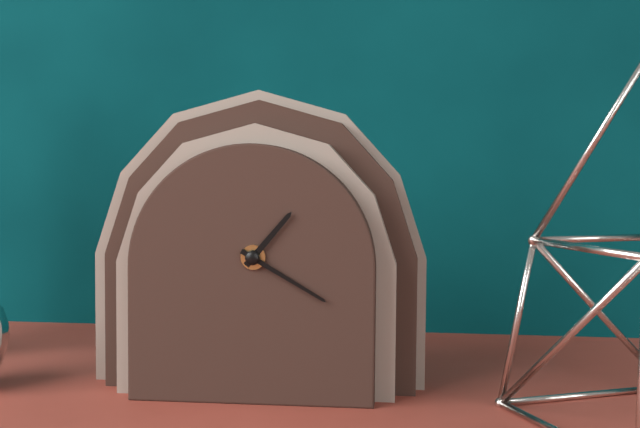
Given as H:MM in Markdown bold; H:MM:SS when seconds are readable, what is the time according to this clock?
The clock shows **1:20**
